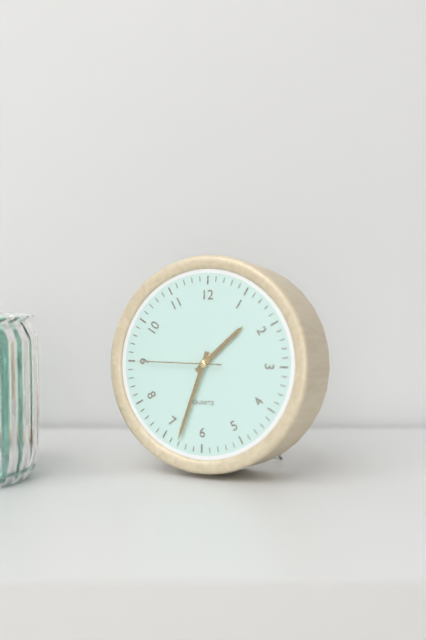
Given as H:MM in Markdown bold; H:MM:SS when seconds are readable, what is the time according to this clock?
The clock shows **1:33:45**
